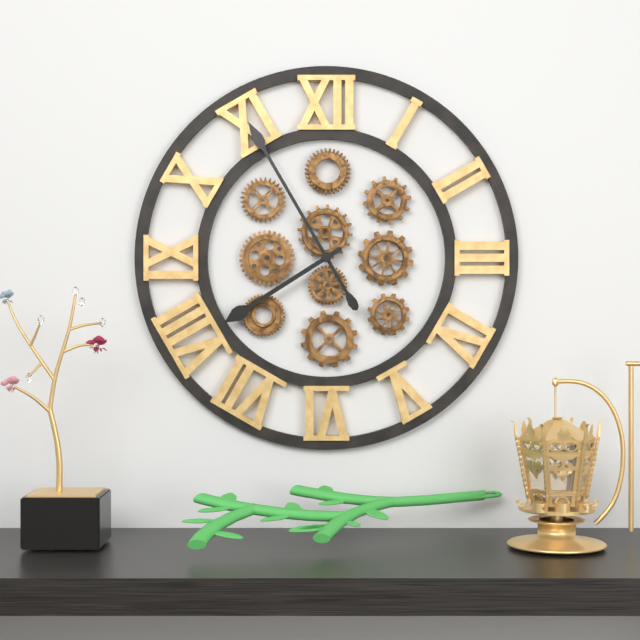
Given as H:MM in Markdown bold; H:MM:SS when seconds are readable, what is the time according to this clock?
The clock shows **7:55**
